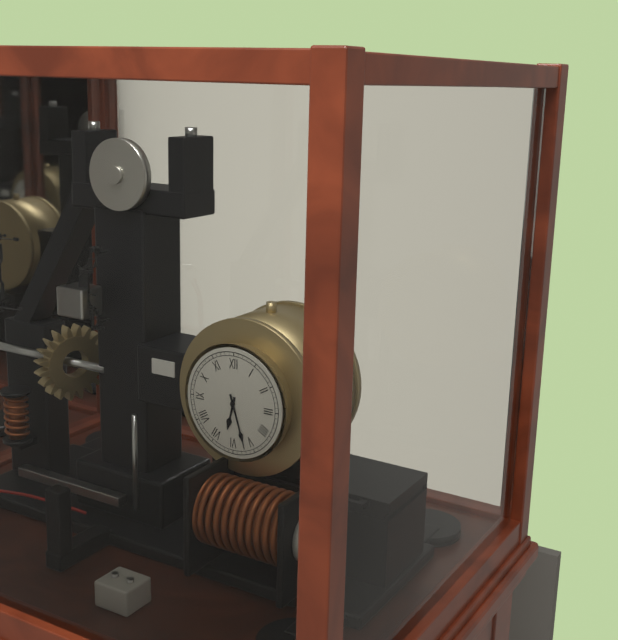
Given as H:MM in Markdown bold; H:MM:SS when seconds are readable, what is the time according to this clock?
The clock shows **6:27**
